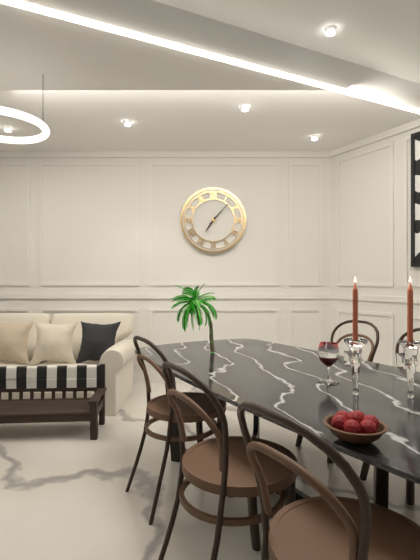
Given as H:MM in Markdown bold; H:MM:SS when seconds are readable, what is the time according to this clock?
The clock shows **7:07**
